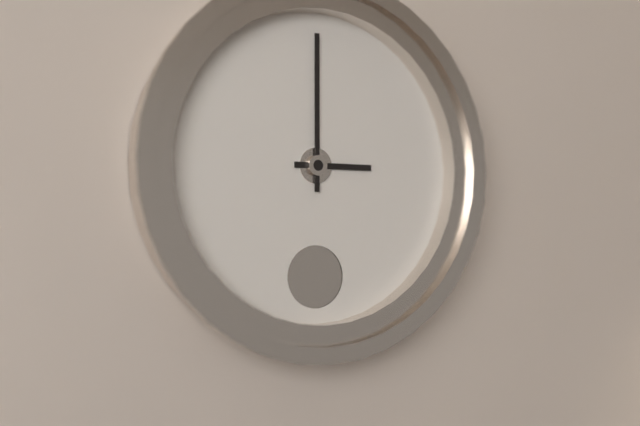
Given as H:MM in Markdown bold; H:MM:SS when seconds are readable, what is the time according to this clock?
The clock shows **3:00**
